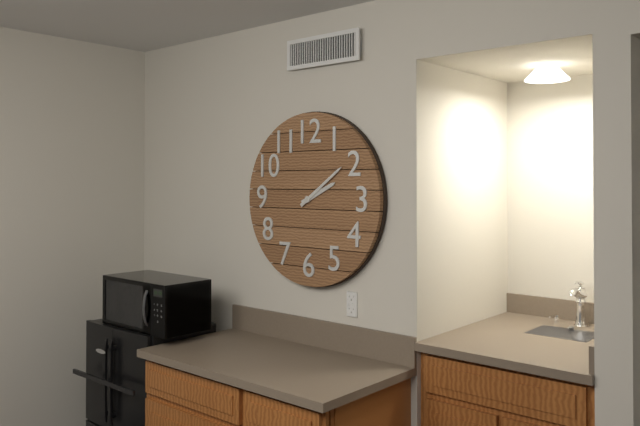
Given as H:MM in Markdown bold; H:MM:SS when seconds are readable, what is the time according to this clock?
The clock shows **2:09**
